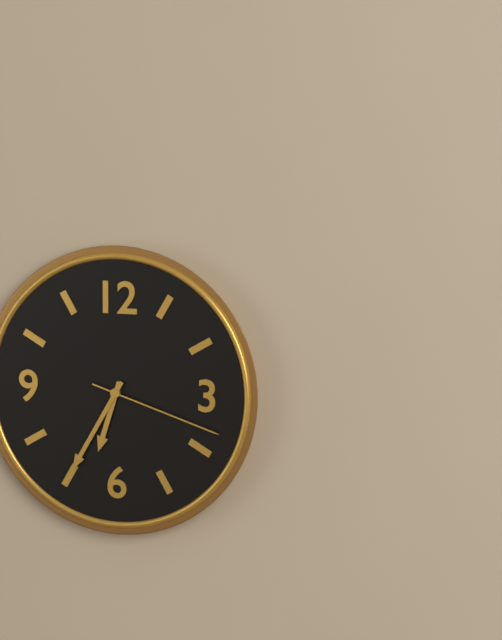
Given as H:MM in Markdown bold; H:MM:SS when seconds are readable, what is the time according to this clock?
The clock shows **6:35:18**
